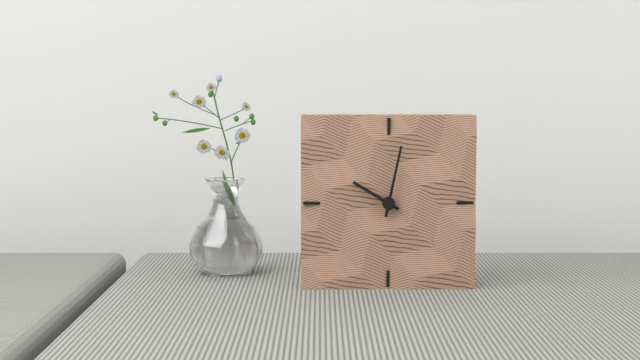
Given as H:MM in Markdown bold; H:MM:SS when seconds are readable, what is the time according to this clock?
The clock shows **10:02**
